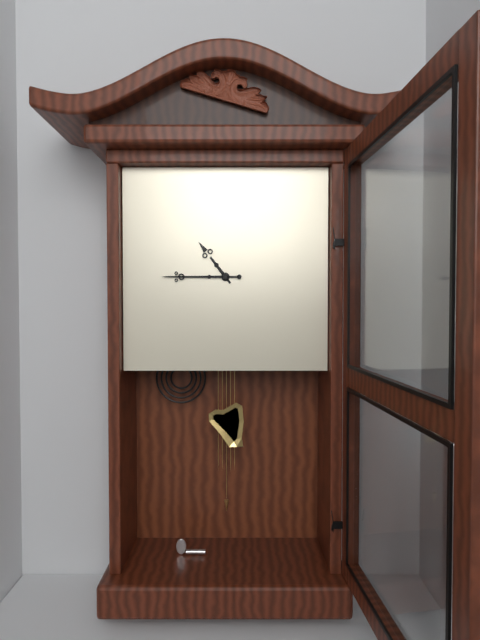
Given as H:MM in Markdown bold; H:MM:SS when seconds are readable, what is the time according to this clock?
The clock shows **10:45**
